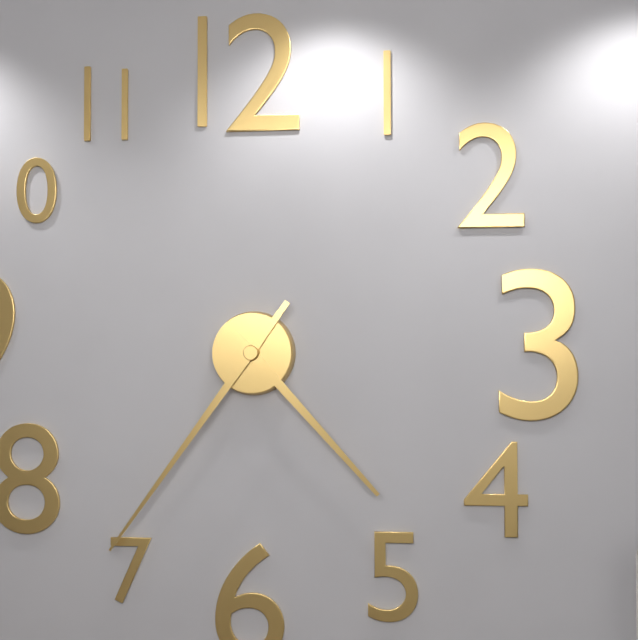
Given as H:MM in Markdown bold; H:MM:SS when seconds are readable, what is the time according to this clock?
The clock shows **4:36**
